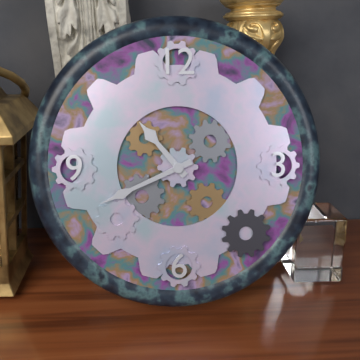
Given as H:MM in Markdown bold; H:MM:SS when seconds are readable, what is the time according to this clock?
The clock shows **10:41**
